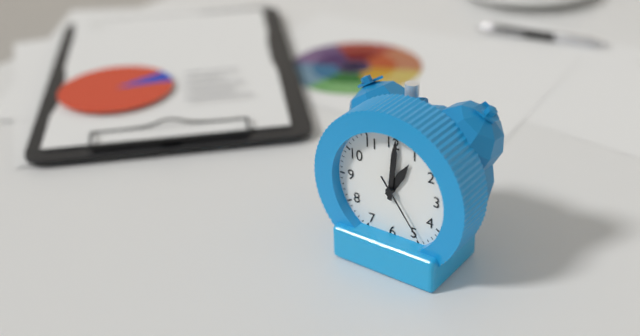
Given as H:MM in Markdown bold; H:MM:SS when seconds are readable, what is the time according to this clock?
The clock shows **1:01:24**
